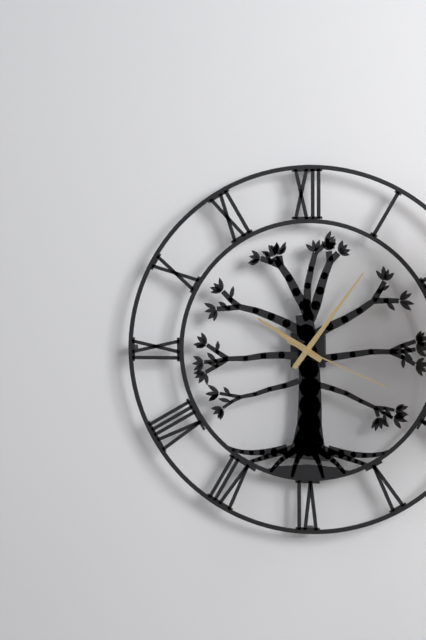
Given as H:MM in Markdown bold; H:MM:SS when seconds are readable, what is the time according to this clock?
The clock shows **10:06:19**
